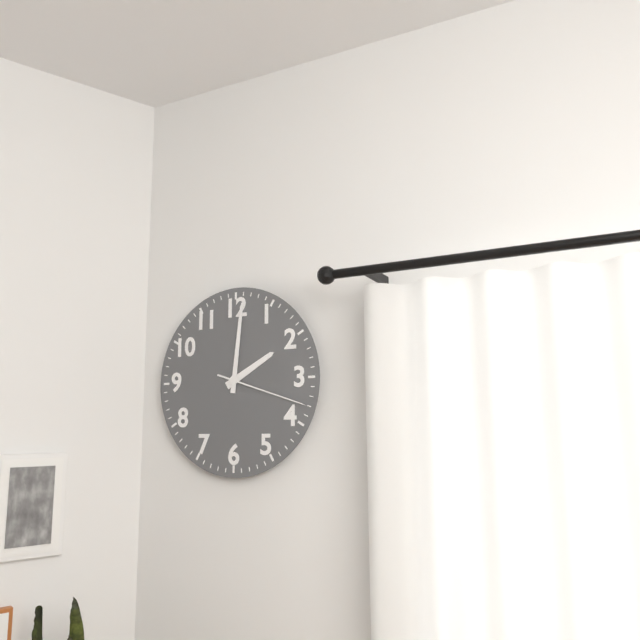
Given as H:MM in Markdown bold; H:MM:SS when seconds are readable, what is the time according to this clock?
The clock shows **2:01:18**
